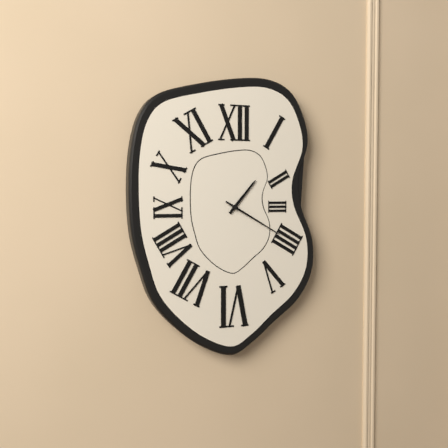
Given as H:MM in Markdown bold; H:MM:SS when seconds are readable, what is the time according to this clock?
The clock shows **1:20**
